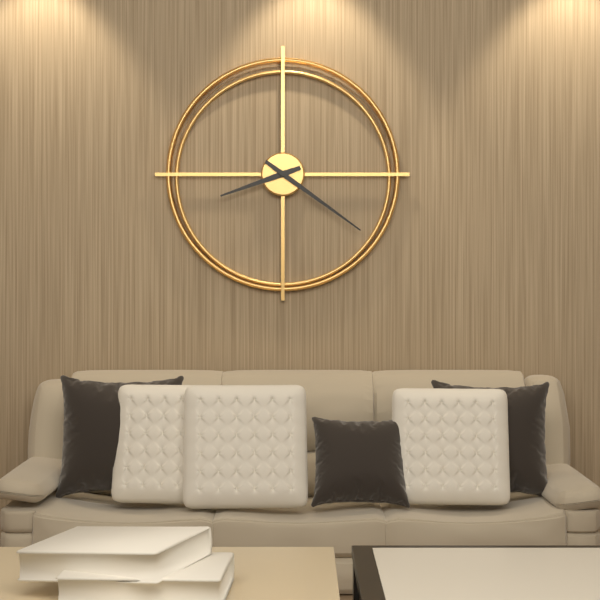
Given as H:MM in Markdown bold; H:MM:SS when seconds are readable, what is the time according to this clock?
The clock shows **8:21**
